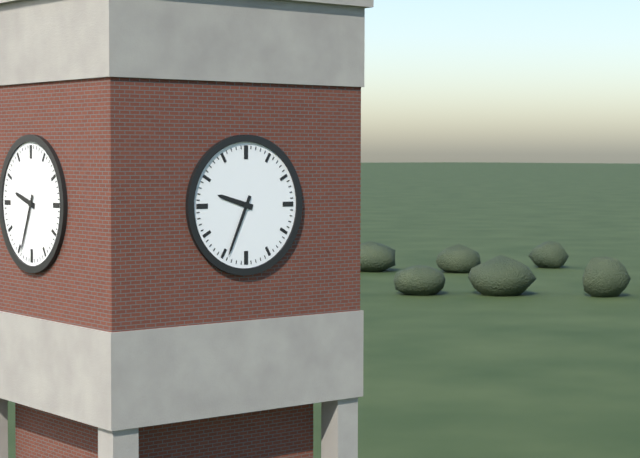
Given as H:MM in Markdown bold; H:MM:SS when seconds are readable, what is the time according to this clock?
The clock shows **9:34**
